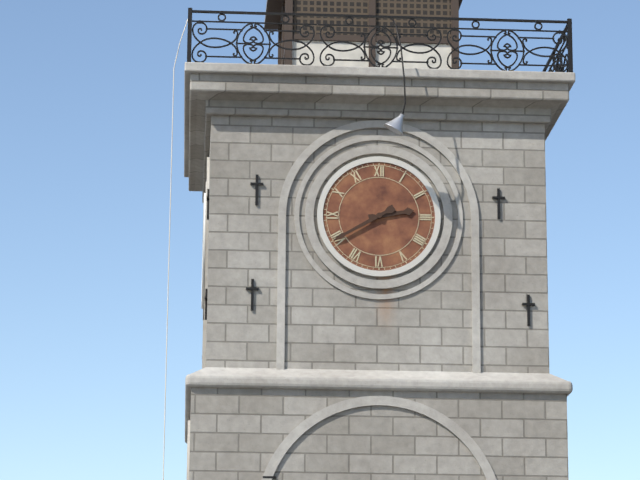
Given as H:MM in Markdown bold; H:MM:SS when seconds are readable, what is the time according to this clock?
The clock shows **2:40**
